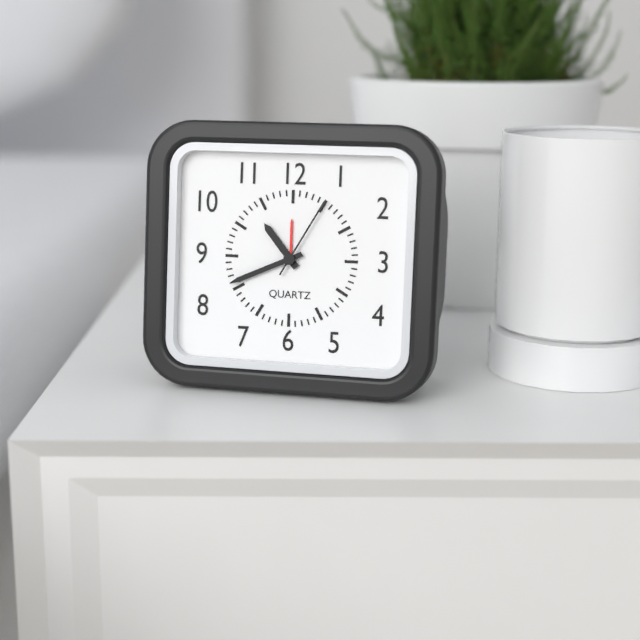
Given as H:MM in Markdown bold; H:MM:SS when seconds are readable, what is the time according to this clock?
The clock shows **10:41:05**
